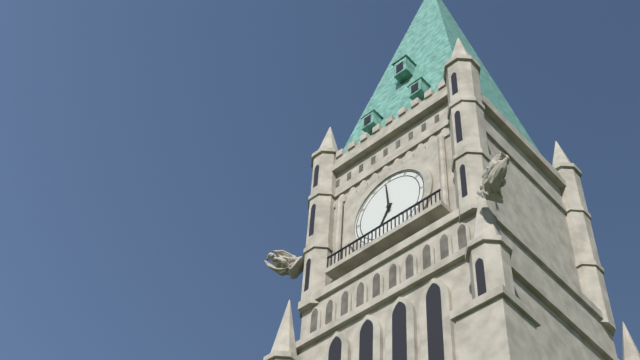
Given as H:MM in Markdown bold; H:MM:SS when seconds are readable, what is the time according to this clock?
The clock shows **6:59**
